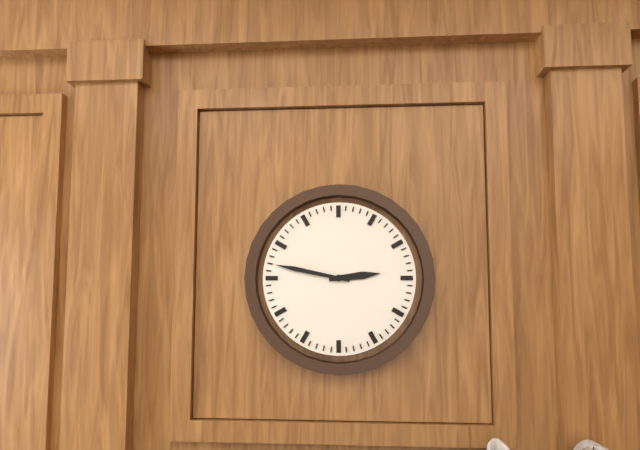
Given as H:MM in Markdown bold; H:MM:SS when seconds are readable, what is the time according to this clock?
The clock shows **2:47**
